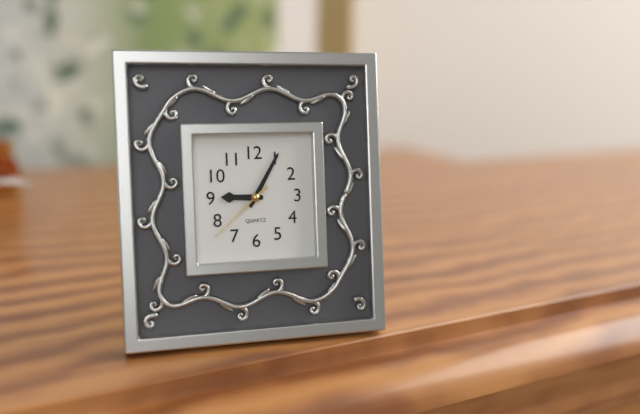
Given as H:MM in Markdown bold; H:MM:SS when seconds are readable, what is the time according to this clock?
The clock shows **9:05:38**
